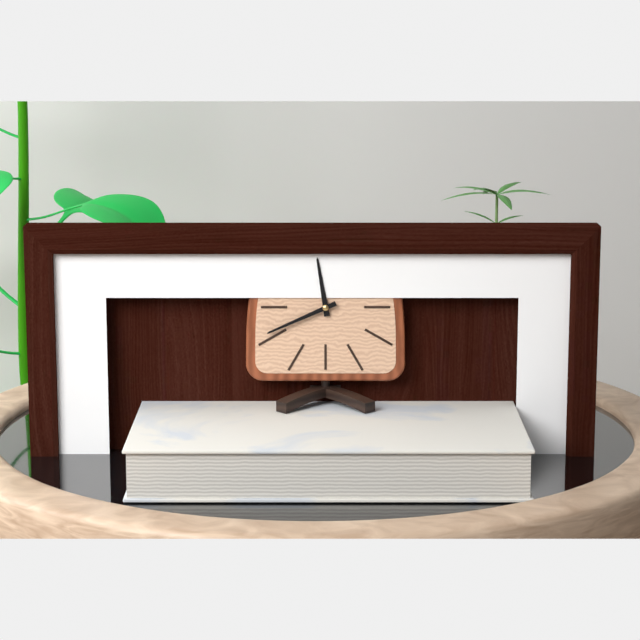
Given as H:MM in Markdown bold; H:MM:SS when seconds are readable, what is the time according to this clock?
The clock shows **11:41**
